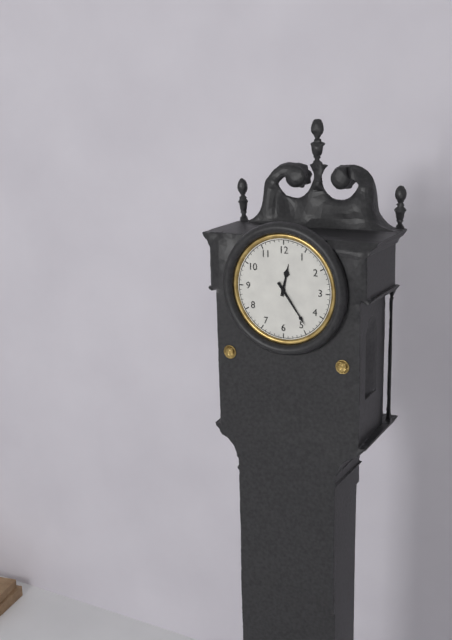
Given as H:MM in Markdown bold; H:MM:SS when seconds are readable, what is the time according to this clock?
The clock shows **12:24**
